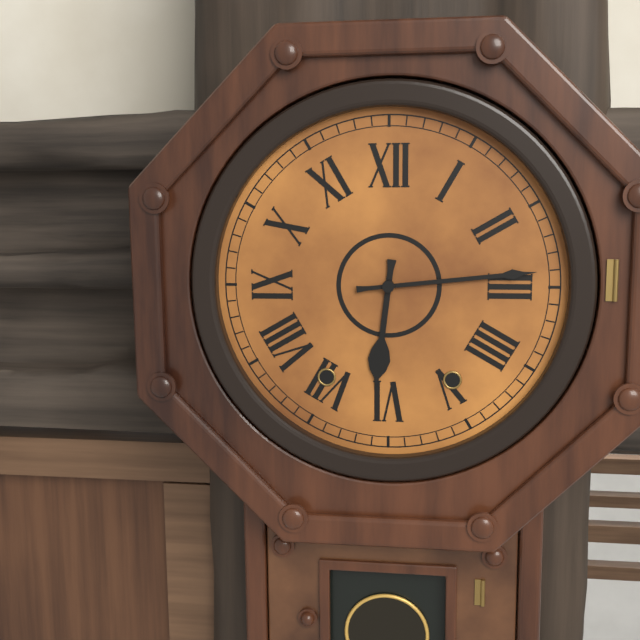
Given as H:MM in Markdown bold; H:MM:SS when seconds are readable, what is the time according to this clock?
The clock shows **6:14**
